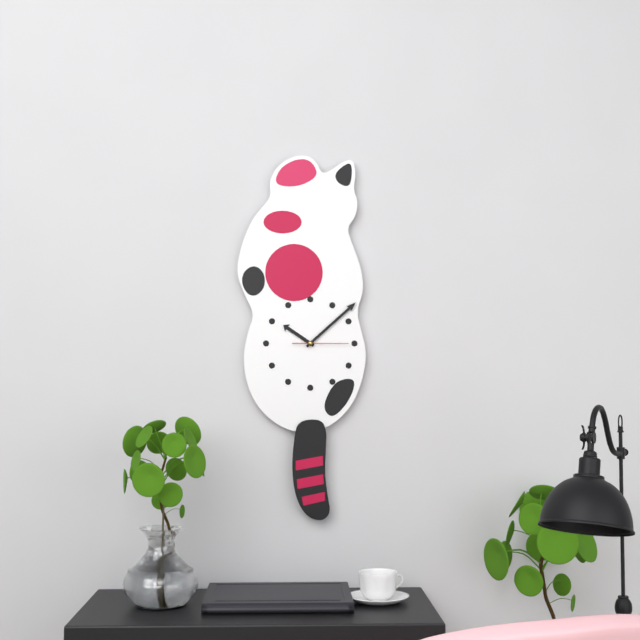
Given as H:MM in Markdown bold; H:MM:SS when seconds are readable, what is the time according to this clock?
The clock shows **10:08**
